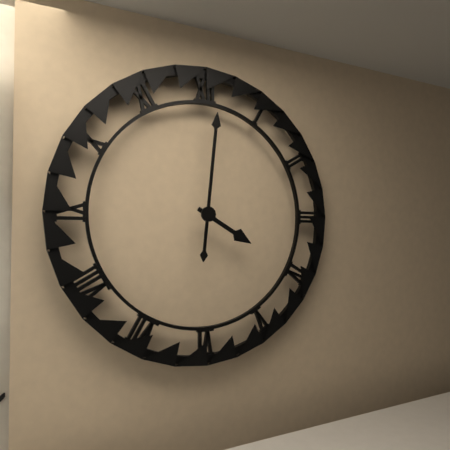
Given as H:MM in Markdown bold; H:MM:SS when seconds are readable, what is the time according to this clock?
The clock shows **4:01**
